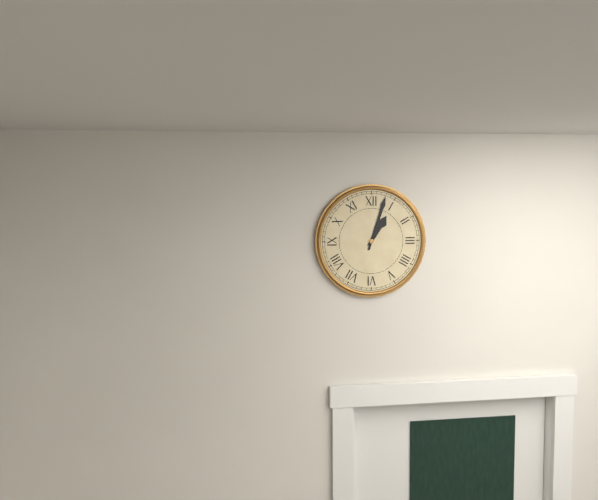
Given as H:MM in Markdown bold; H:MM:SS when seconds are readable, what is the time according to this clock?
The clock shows **1:03**
